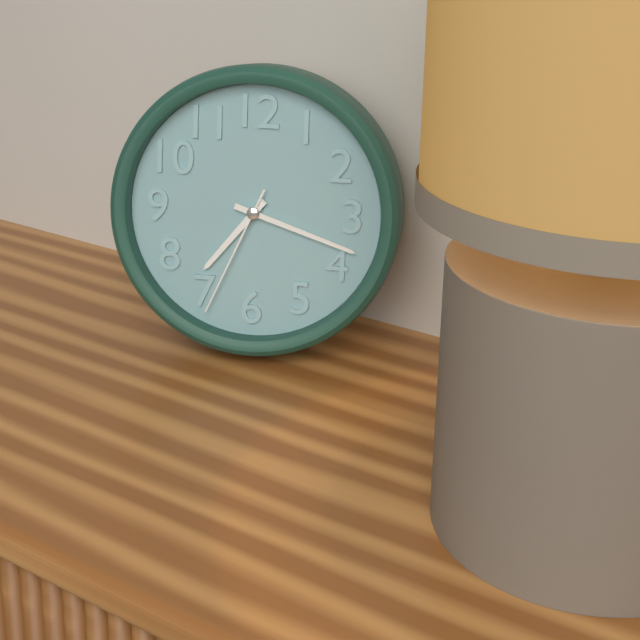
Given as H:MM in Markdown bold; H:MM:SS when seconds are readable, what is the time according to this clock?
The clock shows **7:18:34**
